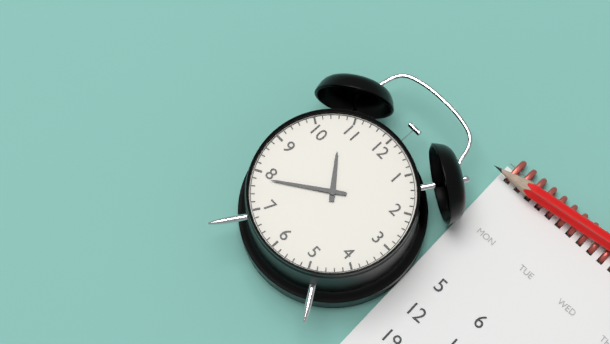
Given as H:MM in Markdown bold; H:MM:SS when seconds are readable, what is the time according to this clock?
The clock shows **10:39**
